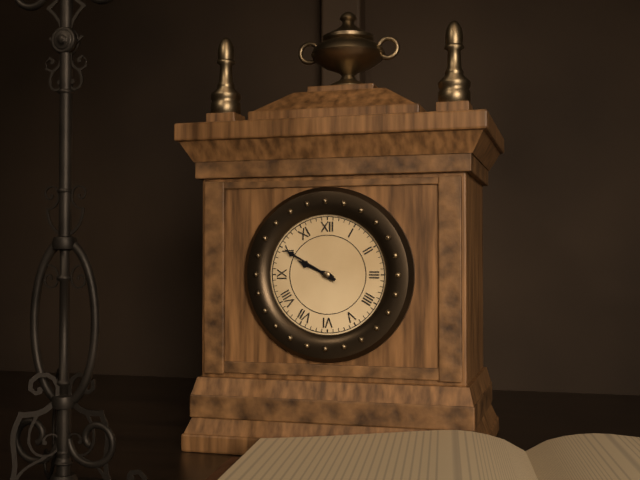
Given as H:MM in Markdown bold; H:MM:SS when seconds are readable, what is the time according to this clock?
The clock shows **9:50**
